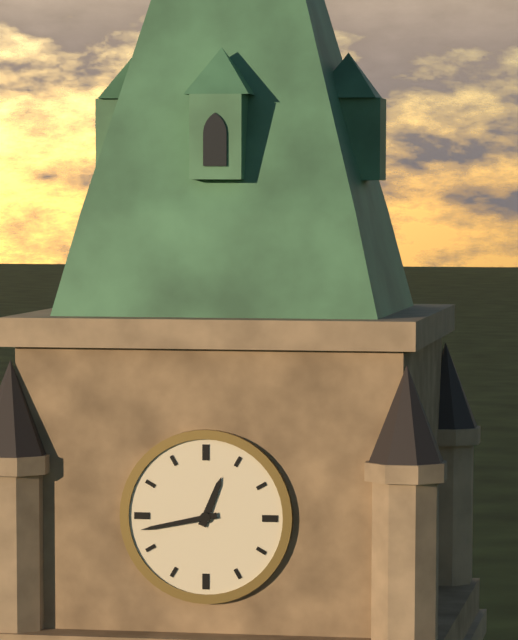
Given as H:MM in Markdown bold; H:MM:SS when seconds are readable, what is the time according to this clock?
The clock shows **12:43**
